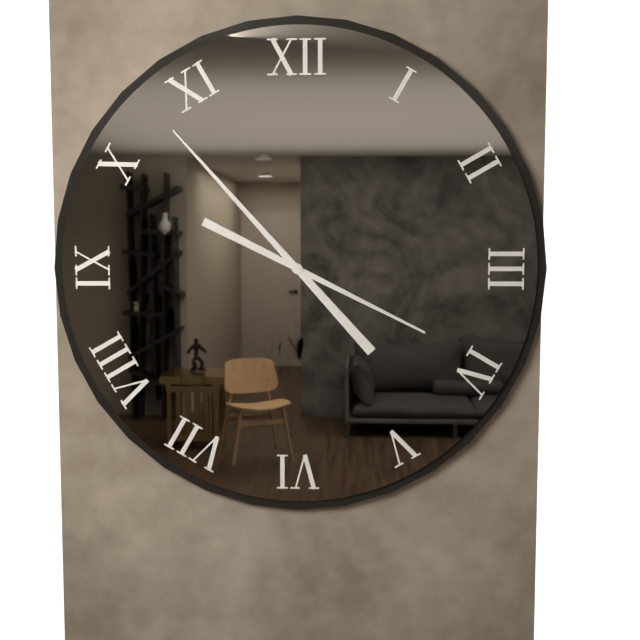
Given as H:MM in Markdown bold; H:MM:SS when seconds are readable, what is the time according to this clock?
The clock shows **3:53**
